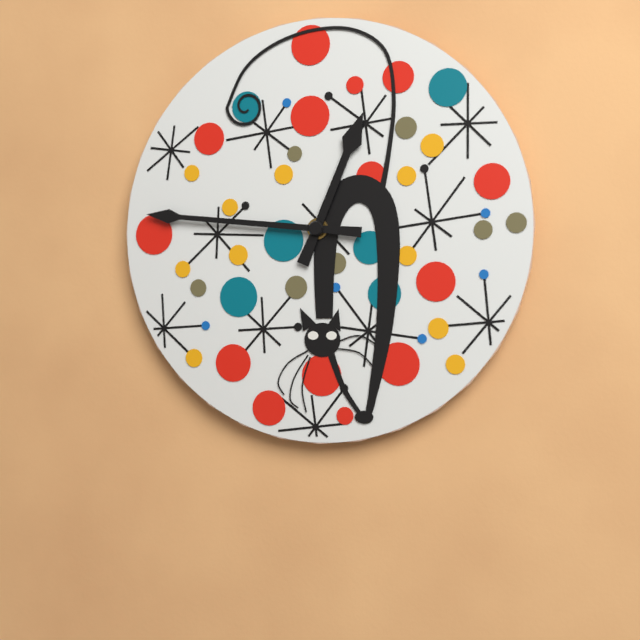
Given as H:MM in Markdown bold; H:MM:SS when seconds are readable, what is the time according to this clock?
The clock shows **12:46**
